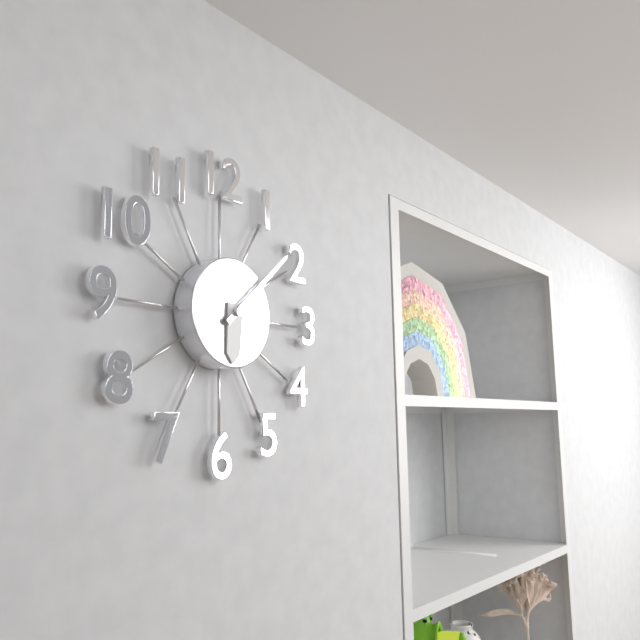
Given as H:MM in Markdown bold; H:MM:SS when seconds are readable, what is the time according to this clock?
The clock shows **6:08**
